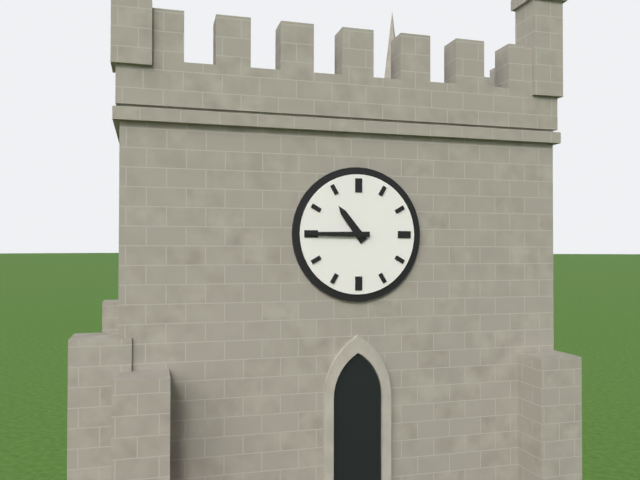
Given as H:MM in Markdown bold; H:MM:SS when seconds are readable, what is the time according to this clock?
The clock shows **10:45**
